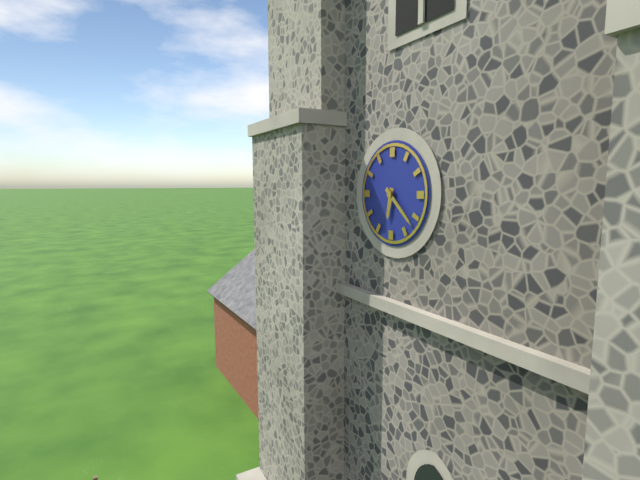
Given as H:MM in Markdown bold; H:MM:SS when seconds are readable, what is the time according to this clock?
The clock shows **6:22**
